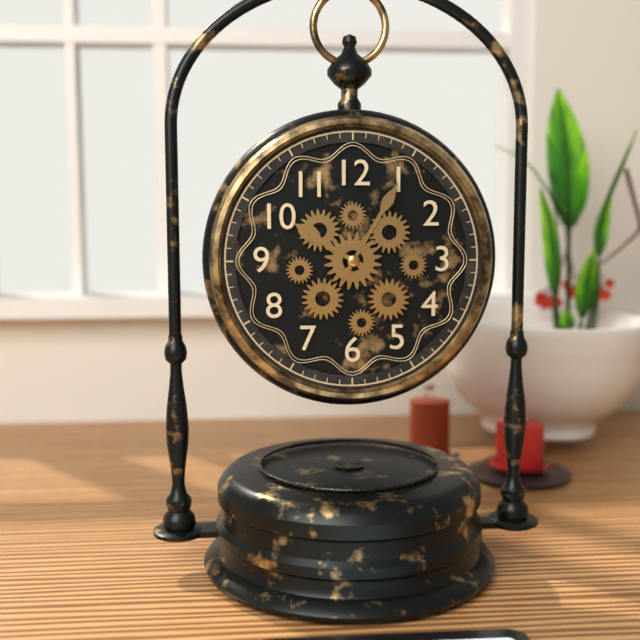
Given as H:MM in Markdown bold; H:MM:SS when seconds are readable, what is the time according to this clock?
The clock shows **10:05**
